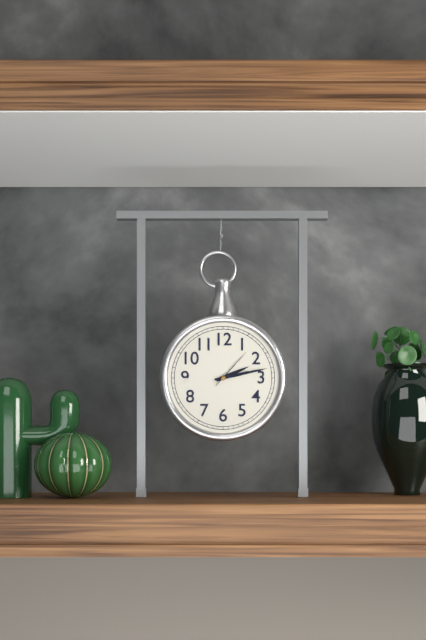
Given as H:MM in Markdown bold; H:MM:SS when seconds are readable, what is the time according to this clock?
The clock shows **2:13**
